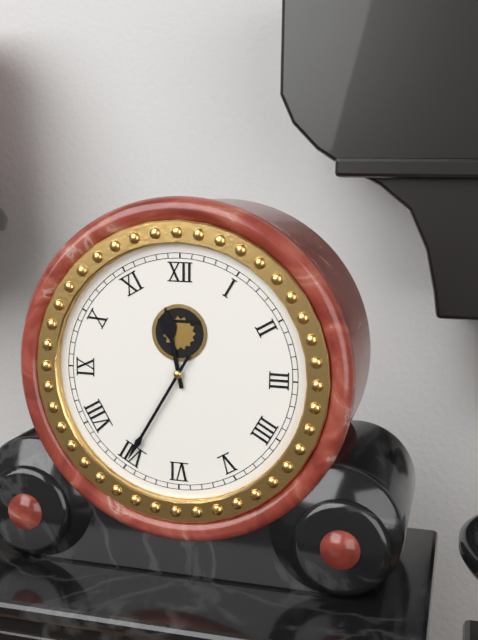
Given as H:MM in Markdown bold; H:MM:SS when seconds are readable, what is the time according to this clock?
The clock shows **11:35**
